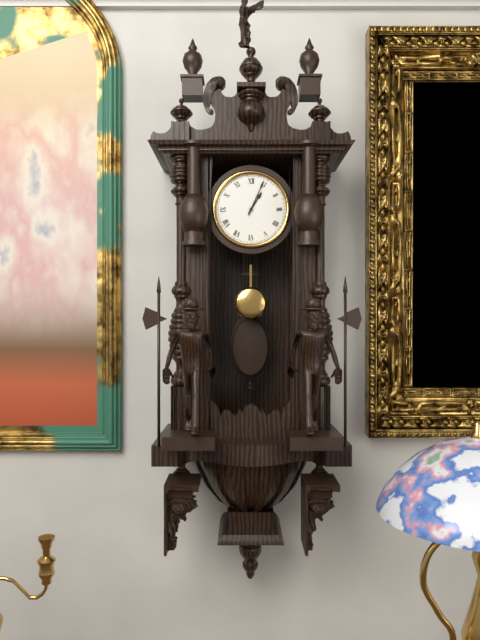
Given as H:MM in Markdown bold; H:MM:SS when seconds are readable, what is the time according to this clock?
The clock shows **1:04**
